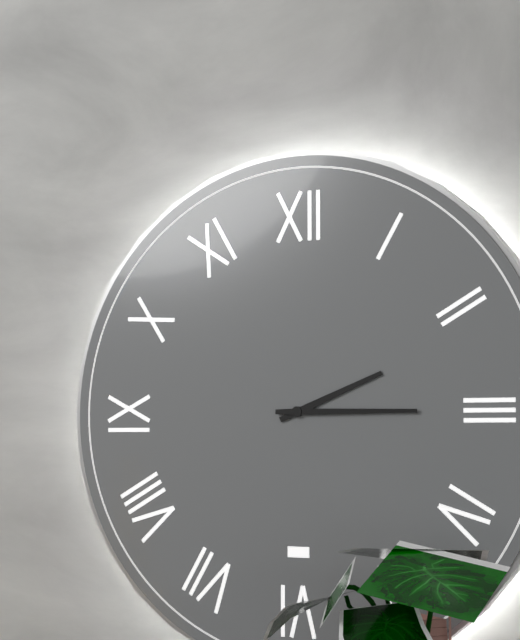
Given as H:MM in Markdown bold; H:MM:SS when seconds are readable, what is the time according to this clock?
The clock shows **2:15**
